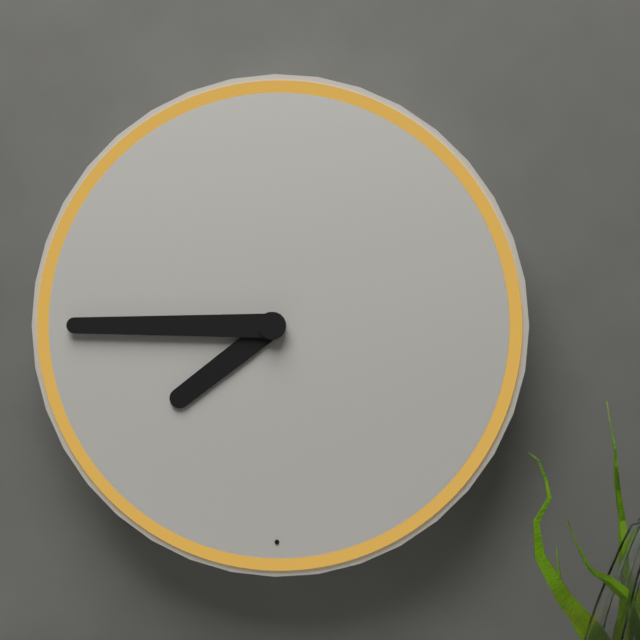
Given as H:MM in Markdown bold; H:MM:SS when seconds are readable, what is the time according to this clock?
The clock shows **7:45**
